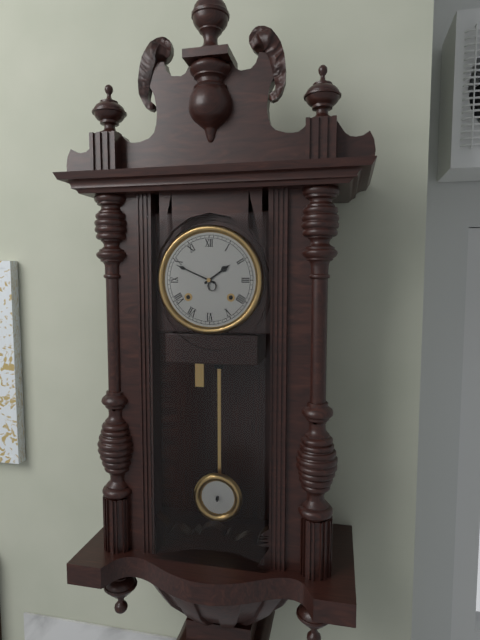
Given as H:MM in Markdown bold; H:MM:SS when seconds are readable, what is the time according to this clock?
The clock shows **1:49**
